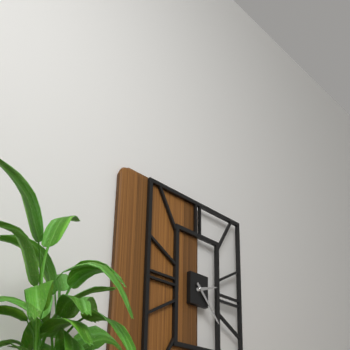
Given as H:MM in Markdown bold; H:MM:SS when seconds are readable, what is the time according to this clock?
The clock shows **2:23**
